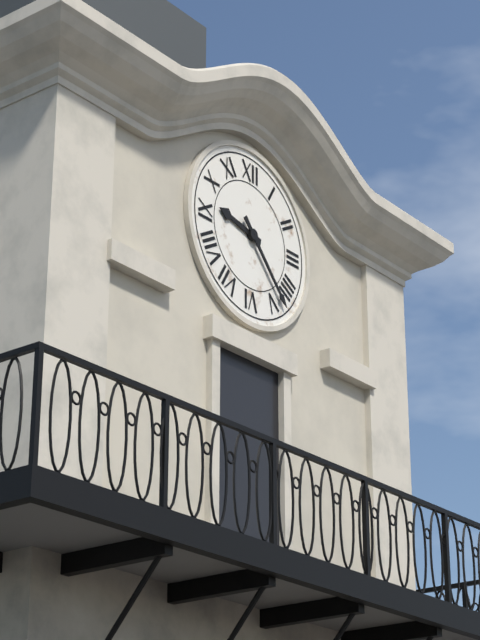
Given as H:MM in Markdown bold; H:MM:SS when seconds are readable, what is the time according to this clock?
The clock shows **9:23**
